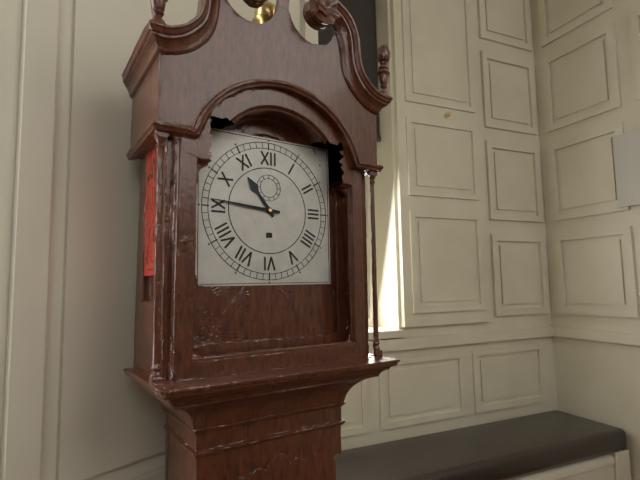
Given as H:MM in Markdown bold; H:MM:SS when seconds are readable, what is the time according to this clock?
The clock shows **10:46**
